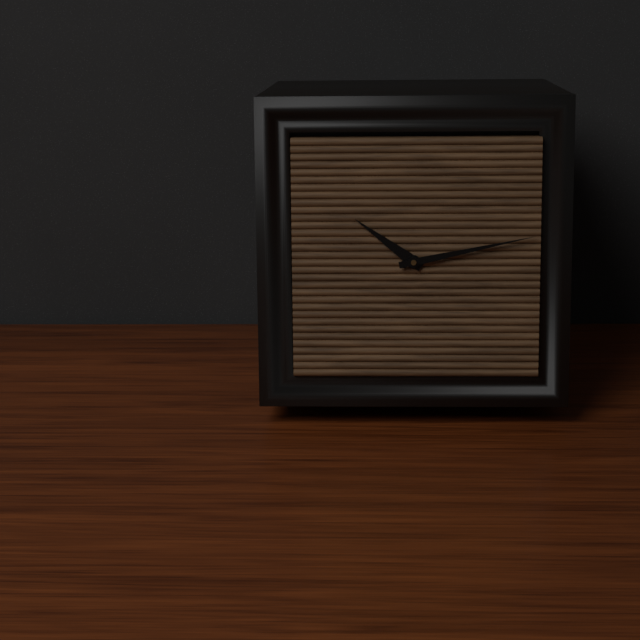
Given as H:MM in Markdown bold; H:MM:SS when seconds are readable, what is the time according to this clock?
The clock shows **10:13**
